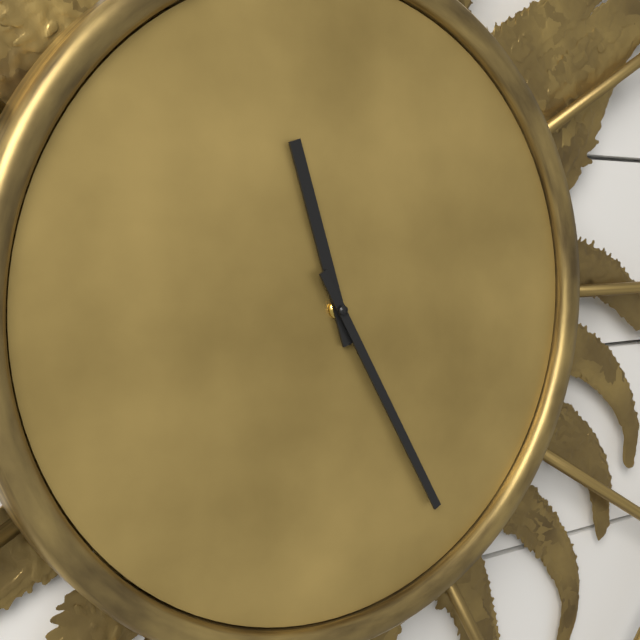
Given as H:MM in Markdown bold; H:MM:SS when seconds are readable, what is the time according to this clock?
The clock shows **11:25**
